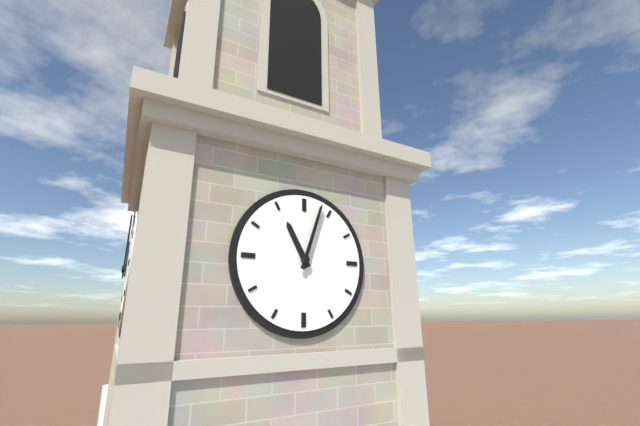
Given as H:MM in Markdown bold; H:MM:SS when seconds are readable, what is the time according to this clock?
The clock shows **11:03**
